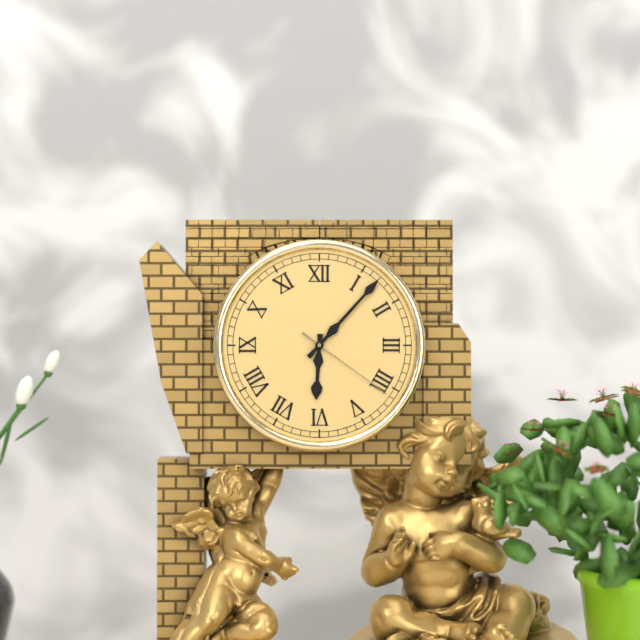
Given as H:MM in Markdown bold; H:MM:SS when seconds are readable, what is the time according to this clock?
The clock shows **6:07:21**
